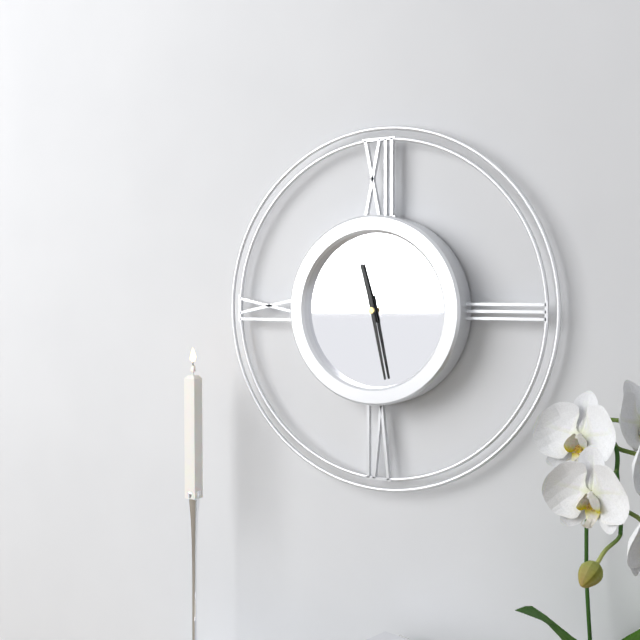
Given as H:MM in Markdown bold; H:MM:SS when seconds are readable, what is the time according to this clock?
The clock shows **11:28**
